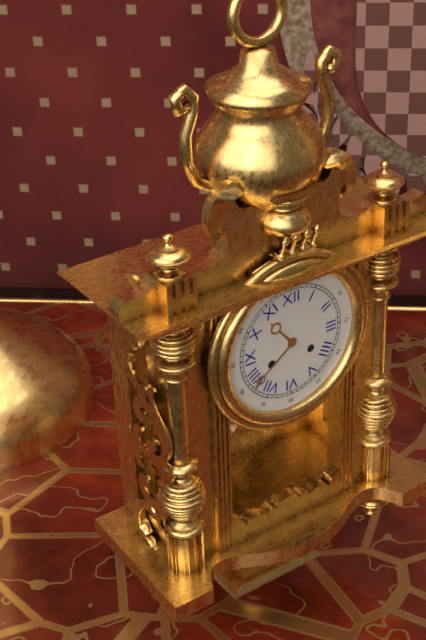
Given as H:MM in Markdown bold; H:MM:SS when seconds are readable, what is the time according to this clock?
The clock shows **10:39**
